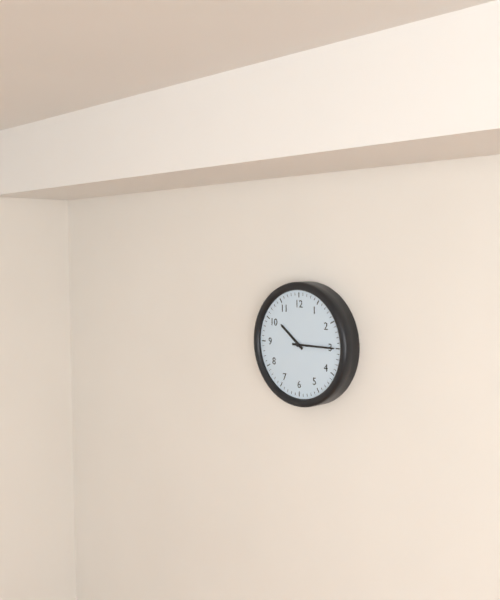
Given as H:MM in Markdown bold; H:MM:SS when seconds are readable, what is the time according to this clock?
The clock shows **10:15**
